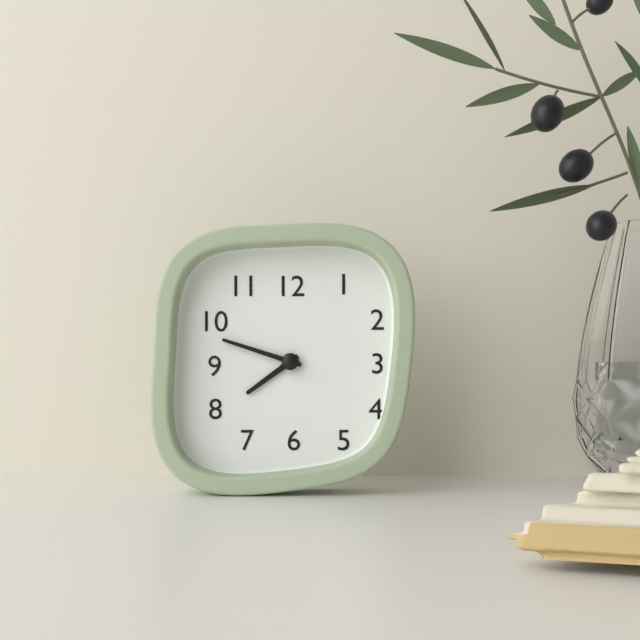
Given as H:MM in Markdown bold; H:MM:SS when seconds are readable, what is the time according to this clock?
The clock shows **7:48**
